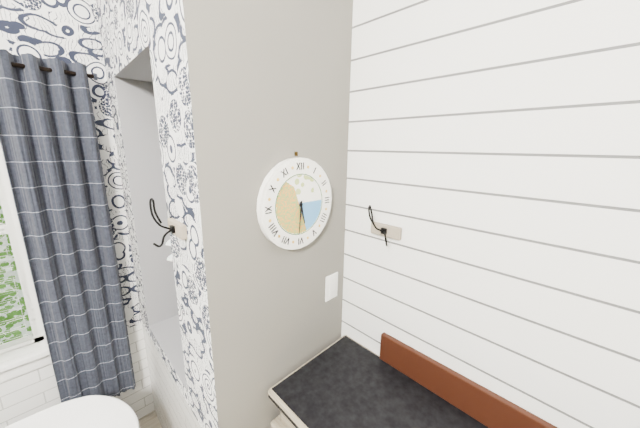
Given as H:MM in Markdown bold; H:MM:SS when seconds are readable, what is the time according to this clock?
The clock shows **5:31**
